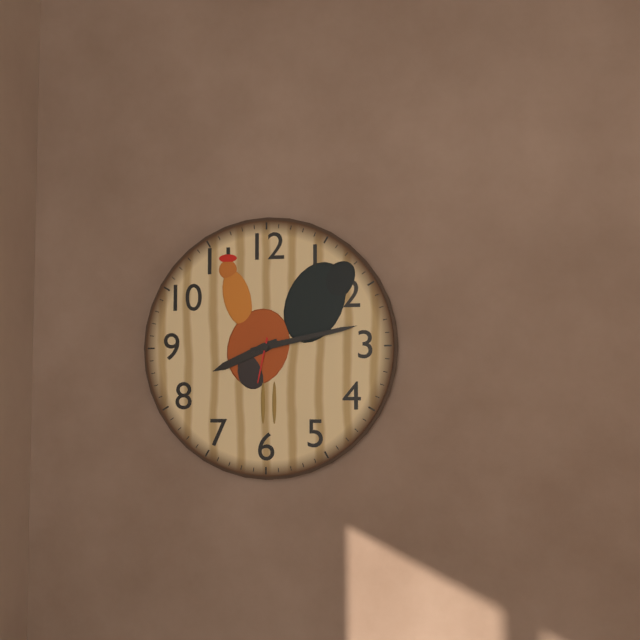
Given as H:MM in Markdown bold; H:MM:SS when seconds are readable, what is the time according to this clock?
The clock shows **8:13**
